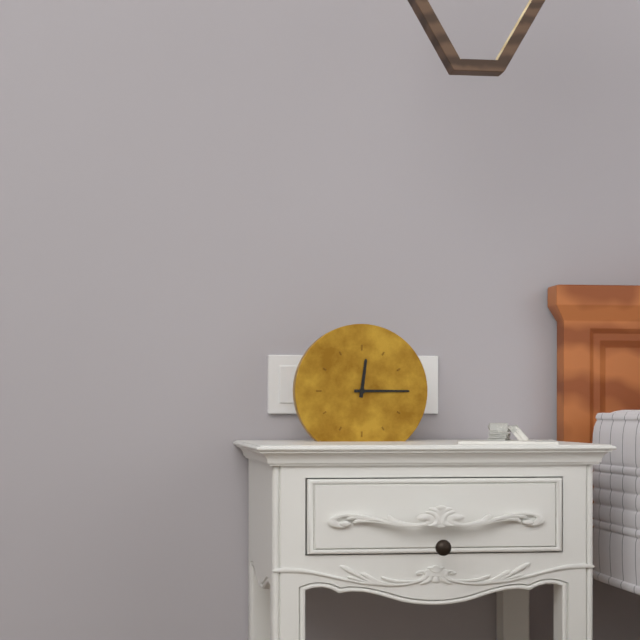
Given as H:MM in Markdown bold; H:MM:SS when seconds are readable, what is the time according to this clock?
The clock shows **12:15**
